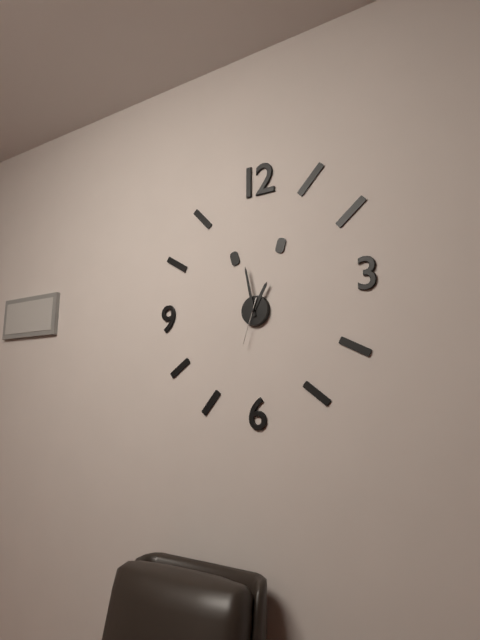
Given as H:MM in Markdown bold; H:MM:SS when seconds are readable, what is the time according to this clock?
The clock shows **12:58**
